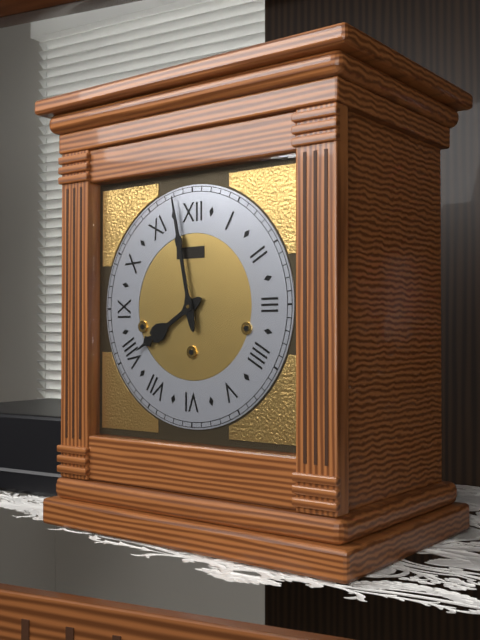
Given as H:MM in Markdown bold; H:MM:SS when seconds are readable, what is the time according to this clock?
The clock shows **7:58**
